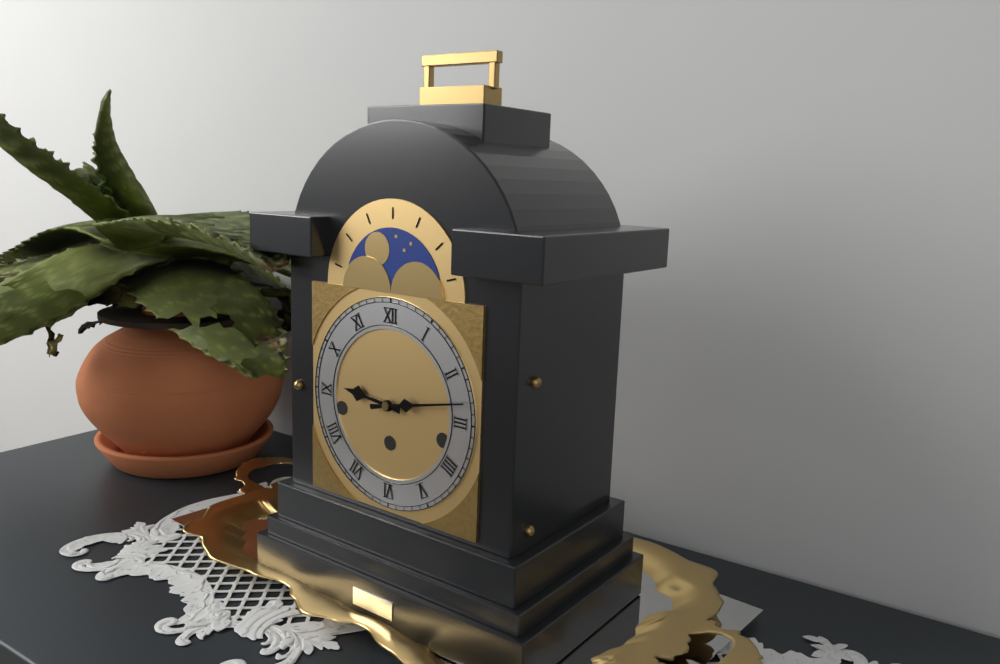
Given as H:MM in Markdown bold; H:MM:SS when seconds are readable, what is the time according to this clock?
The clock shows **9:13**
